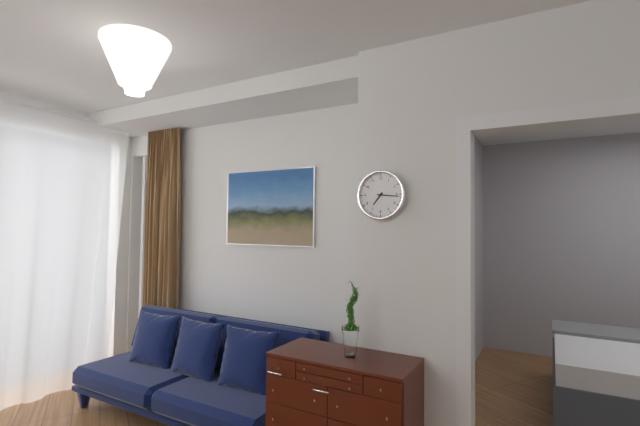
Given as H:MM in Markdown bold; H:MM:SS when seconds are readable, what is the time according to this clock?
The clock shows **7:16**
